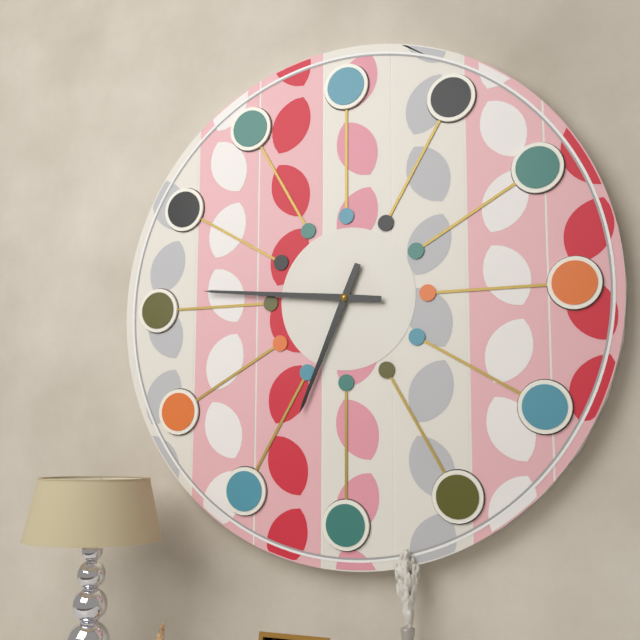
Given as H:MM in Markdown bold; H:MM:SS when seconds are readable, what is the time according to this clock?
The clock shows **6:46**
